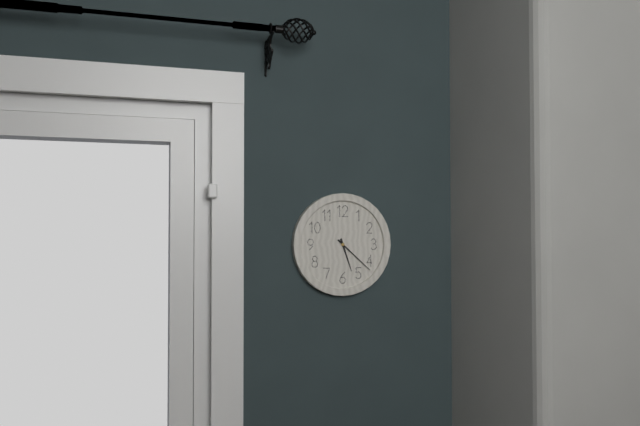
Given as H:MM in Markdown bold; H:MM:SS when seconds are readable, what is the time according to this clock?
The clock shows **5:22**
